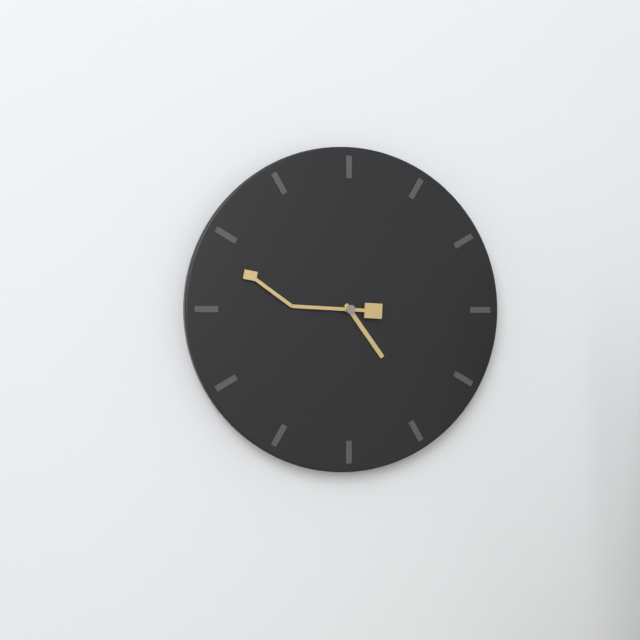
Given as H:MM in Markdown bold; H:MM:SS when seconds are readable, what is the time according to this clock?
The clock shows **4:48**
